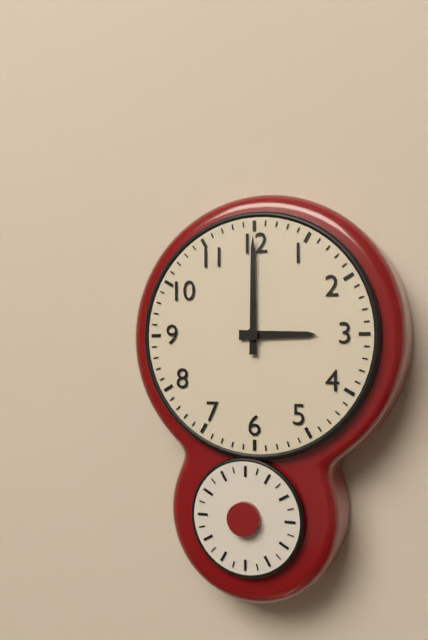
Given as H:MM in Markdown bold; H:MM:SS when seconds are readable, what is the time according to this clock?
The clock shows **3:00**
